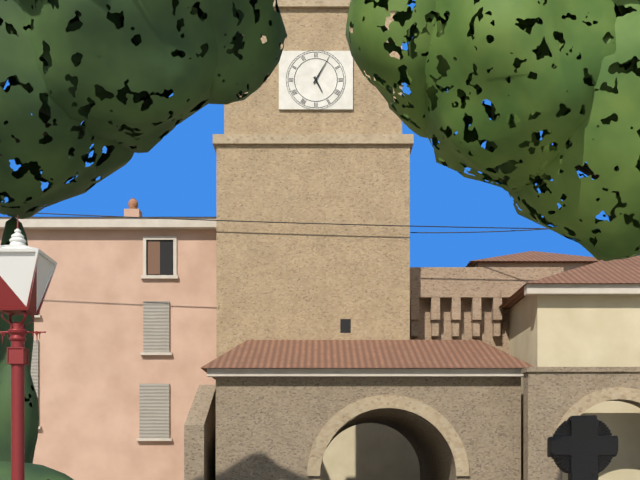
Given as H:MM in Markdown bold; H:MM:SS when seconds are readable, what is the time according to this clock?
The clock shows **5:05**
